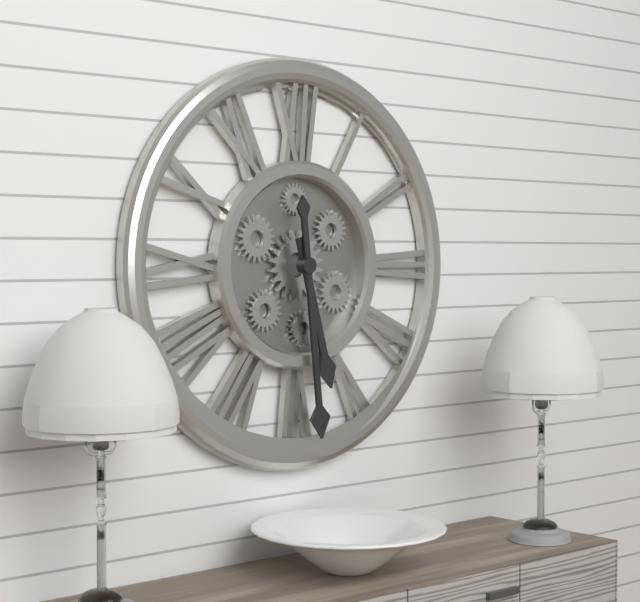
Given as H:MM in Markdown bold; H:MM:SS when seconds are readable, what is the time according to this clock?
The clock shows **5:29**
